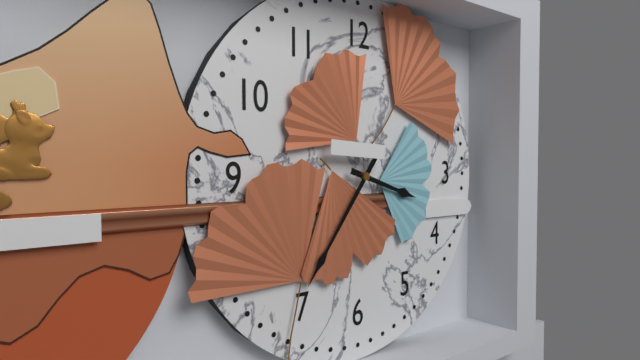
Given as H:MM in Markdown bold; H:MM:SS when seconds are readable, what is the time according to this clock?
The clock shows **3:36**
